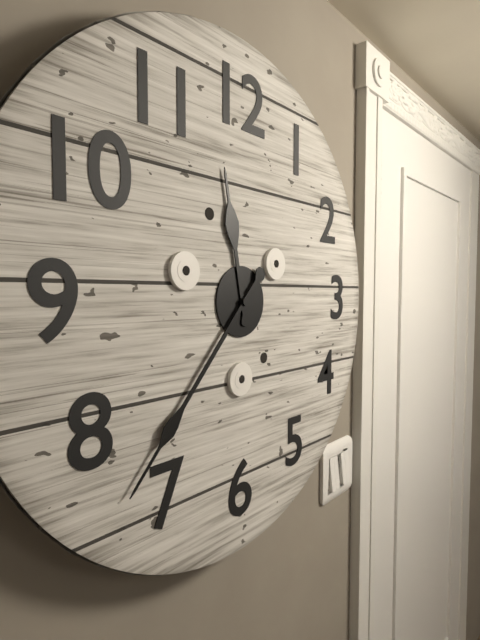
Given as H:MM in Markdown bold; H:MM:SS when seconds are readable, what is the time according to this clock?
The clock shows **11:37**
